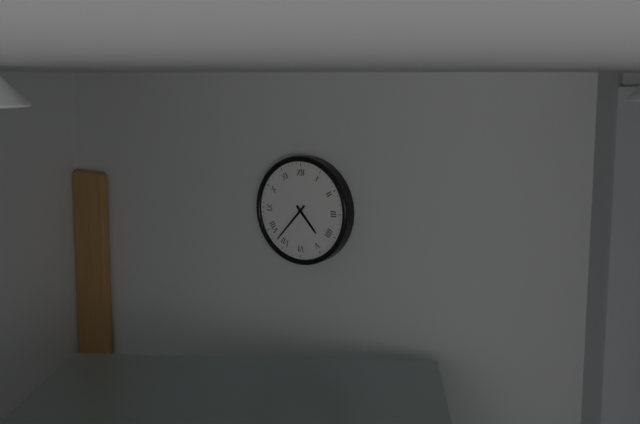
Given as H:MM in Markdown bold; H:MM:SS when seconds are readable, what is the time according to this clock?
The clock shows **4:37**
